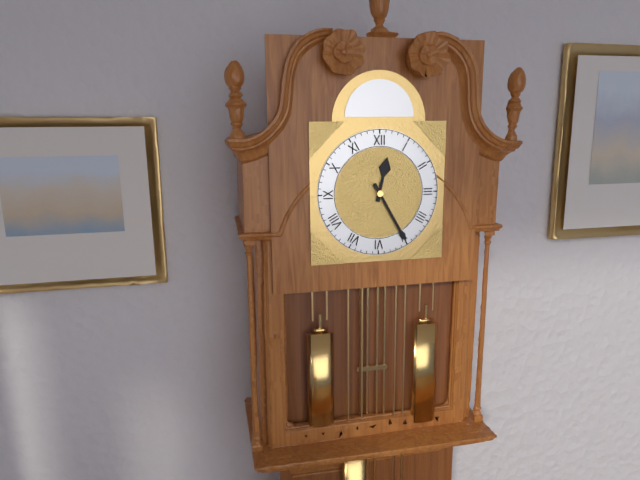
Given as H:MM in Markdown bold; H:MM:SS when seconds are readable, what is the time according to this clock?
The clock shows **12:25**
